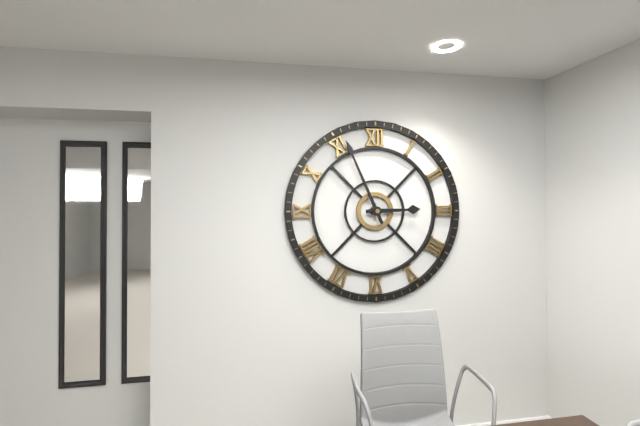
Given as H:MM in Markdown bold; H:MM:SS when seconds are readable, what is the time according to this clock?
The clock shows **2:56**
